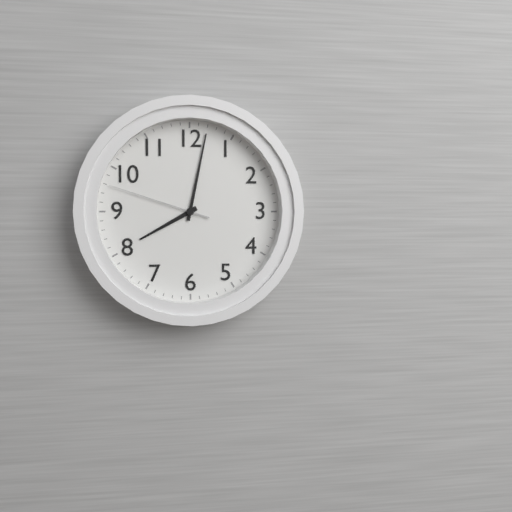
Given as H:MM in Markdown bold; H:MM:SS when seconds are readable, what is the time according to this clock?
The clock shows **8:02:48**
